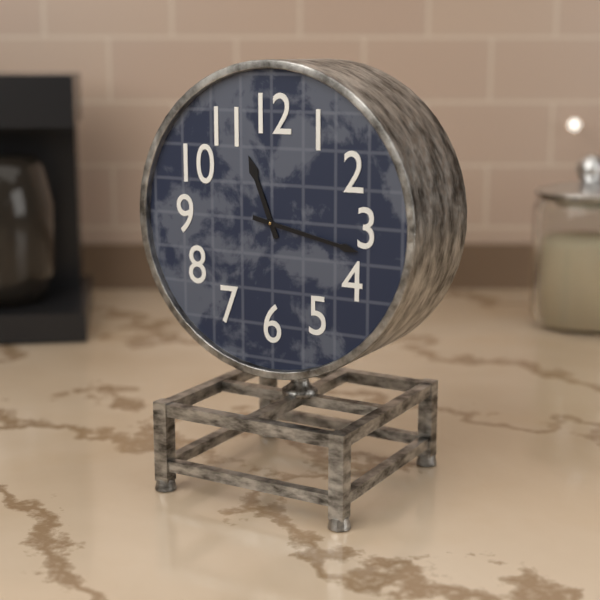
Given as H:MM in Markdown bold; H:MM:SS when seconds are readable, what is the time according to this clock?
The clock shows **11:17**
